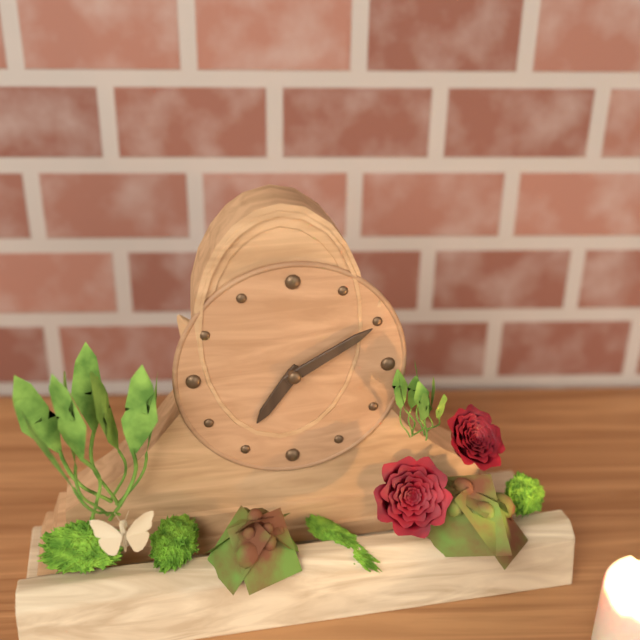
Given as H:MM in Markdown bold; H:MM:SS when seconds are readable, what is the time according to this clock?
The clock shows **7:10**
